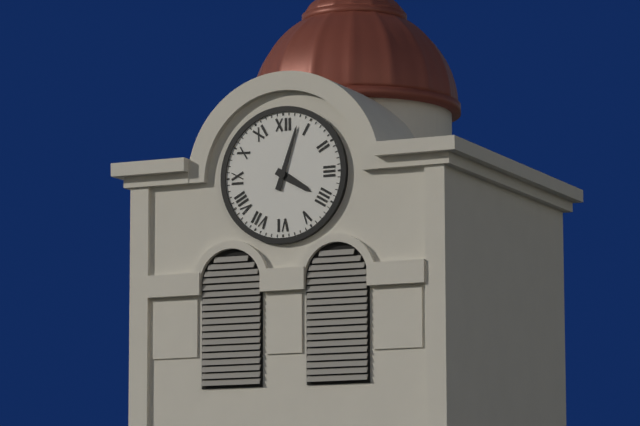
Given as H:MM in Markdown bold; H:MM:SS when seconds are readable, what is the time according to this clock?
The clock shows **4:03**
